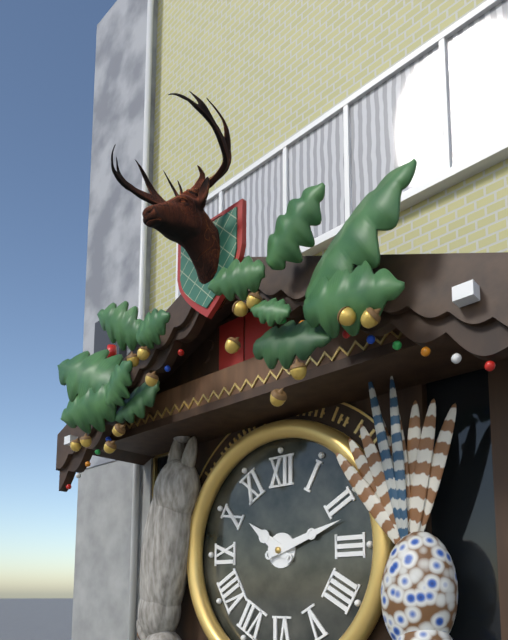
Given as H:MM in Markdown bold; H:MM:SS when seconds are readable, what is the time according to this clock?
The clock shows **10:12**
